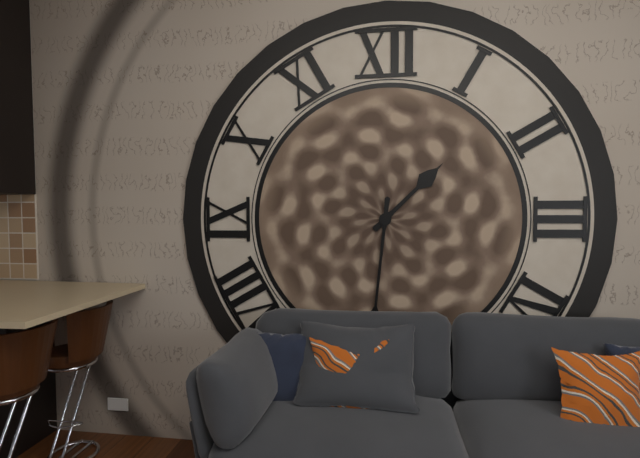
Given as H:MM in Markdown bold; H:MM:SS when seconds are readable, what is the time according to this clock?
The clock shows **1:31**
